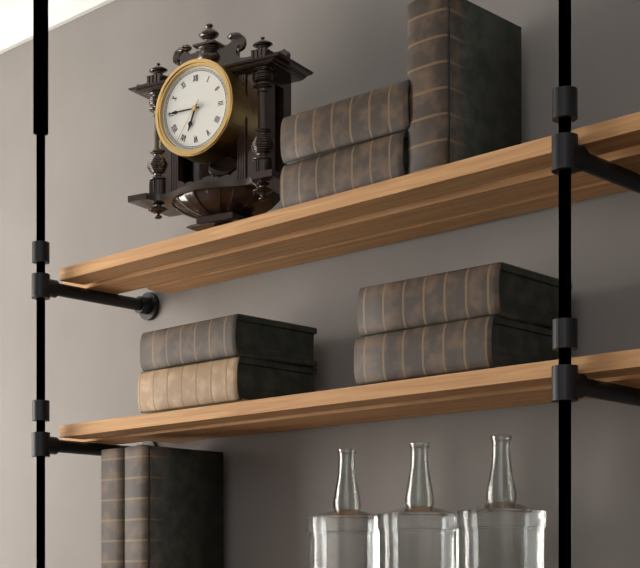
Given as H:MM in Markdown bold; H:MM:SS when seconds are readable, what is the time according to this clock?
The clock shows **6:45**
